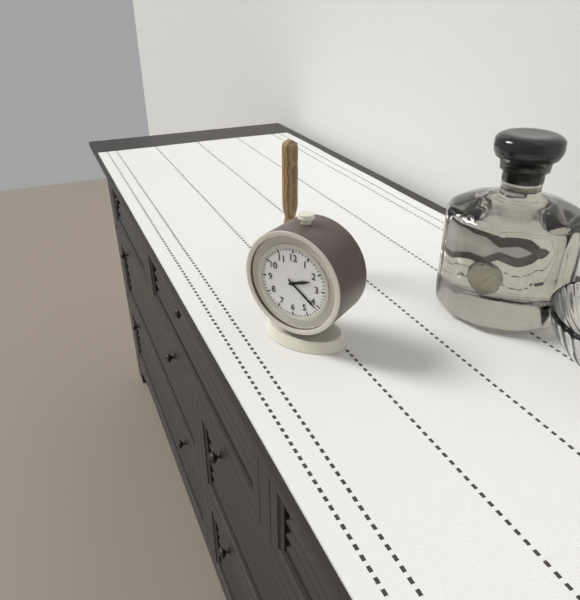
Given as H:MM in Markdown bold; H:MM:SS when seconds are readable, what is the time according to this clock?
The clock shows **2:21**
